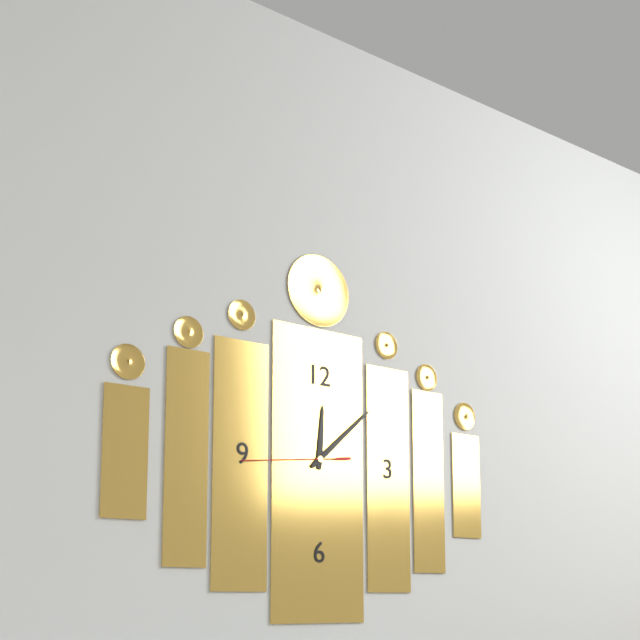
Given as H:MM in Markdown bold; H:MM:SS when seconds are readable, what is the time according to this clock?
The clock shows **12:08:44**
